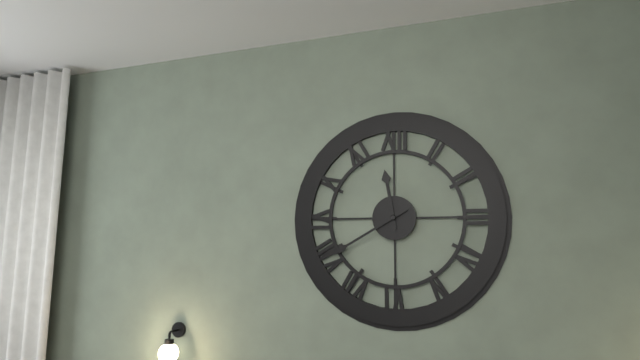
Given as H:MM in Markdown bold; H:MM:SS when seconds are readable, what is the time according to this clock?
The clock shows **11:40**
